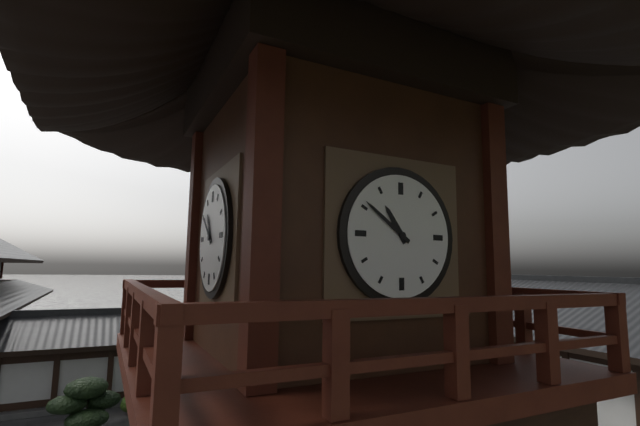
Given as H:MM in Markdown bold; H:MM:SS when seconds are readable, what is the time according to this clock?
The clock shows **10:51**
